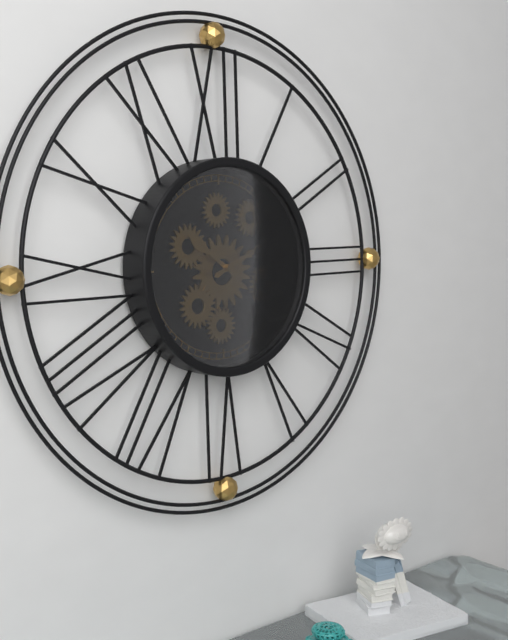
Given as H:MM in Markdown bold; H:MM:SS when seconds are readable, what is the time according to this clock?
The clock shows **10:11**
